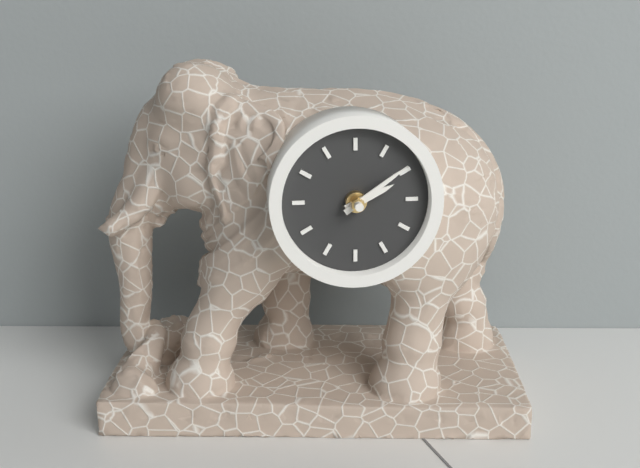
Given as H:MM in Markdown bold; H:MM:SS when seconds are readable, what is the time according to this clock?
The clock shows **2:09**
